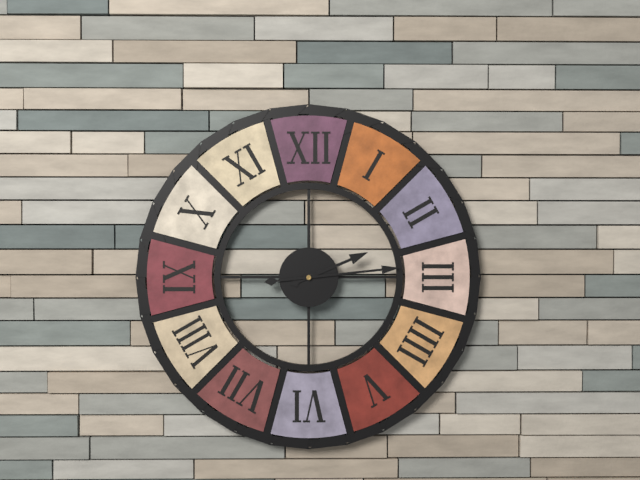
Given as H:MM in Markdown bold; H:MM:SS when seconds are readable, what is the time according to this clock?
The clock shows **2:14**
